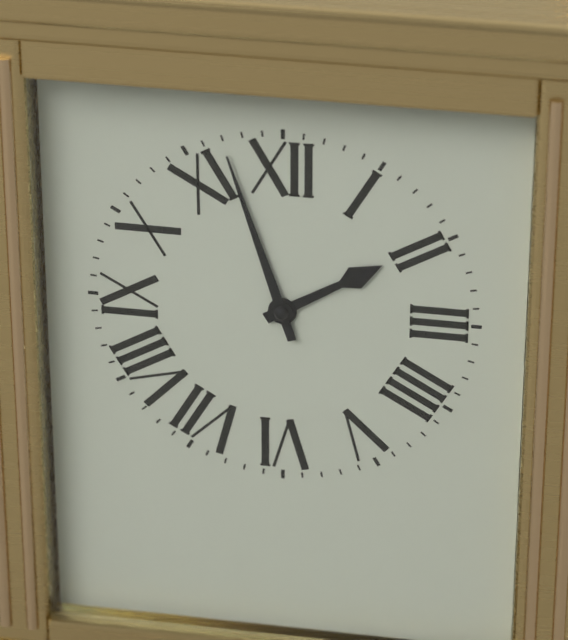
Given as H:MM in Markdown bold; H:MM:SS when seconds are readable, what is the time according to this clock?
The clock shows **1:57**
